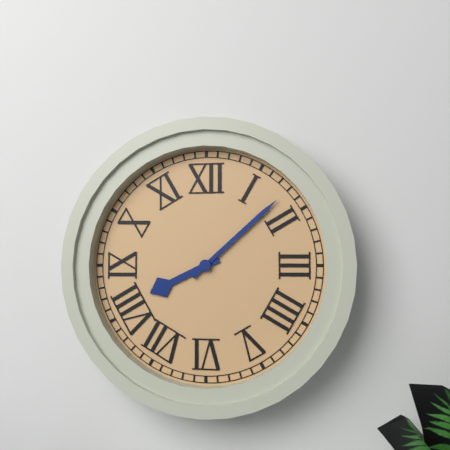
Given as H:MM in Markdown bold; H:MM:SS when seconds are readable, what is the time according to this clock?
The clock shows **8:08**
